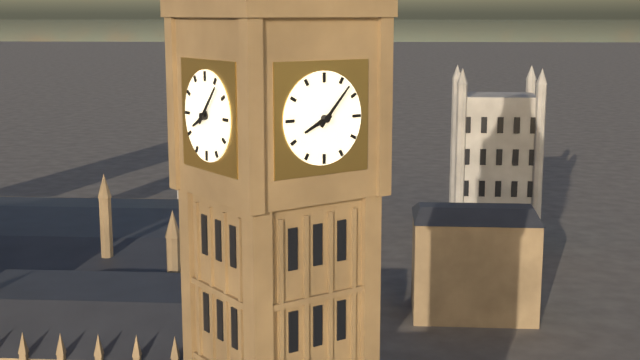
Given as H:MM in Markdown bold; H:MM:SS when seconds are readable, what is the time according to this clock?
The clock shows **8:07**
